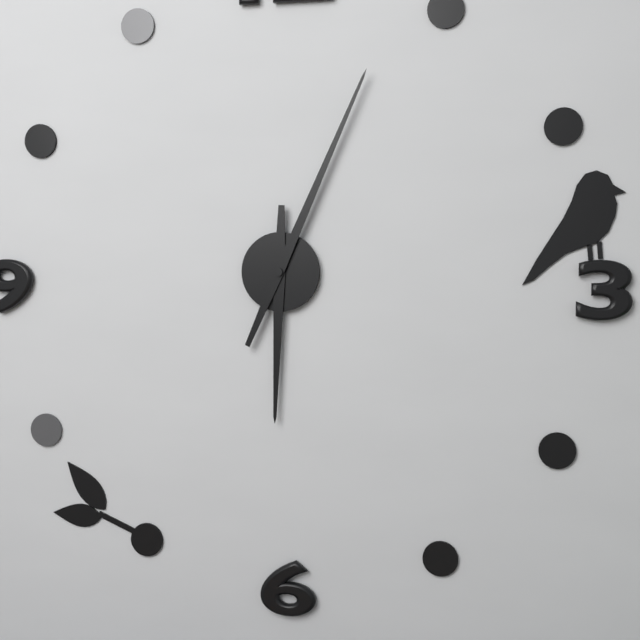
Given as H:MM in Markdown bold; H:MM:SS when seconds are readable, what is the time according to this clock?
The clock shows **6:04**
